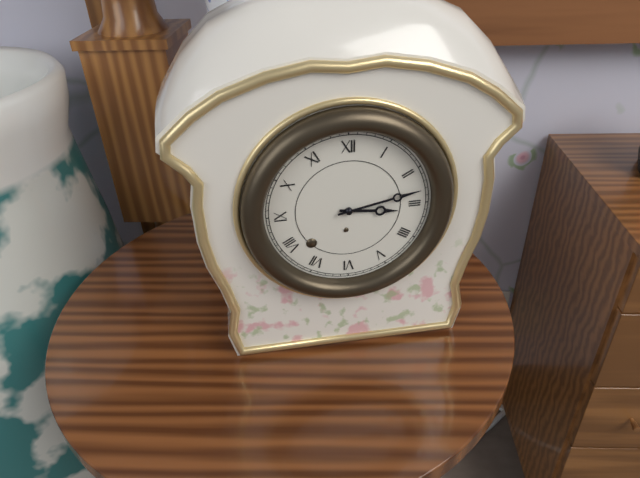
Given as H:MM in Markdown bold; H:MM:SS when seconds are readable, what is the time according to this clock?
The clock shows **3:13**
